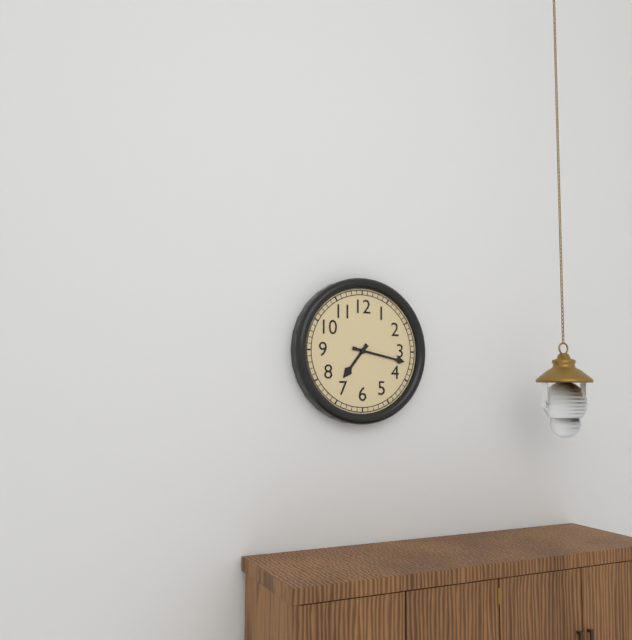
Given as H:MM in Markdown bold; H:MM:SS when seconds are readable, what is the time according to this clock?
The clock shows **7:17**
